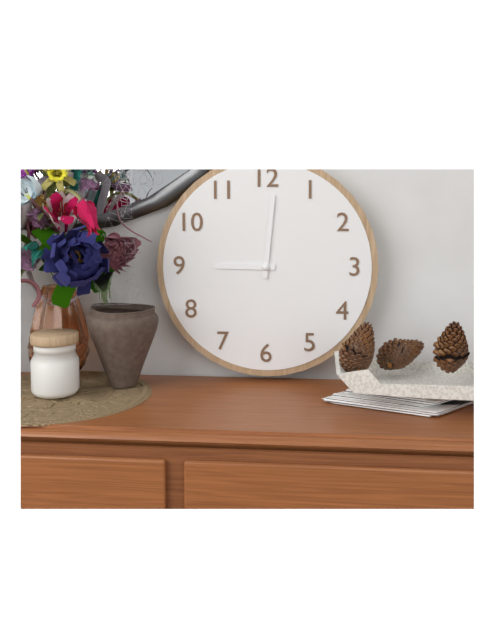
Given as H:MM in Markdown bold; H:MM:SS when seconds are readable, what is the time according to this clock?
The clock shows **9:01**
